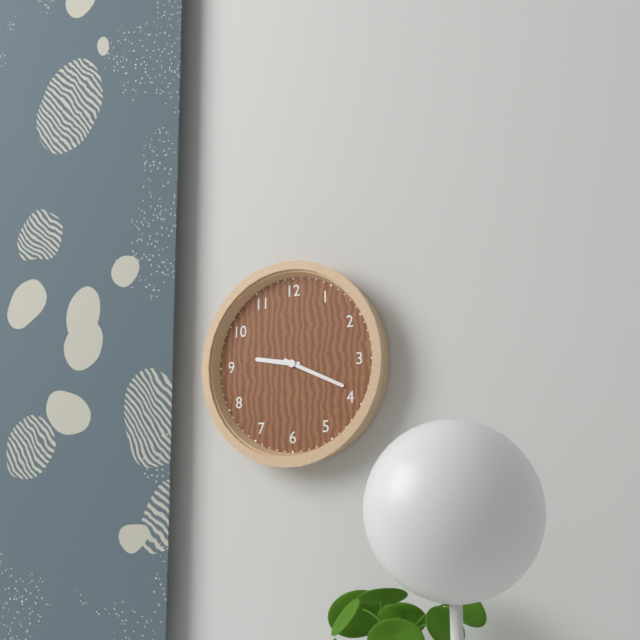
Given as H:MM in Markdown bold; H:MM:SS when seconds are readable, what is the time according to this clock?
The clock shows **9:19**
